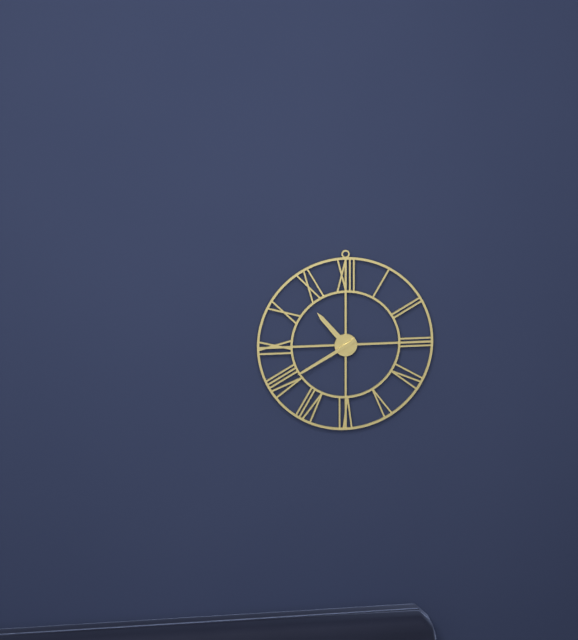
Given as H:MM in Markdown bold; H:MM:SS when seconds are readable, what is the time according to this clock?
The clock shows **10:40**
